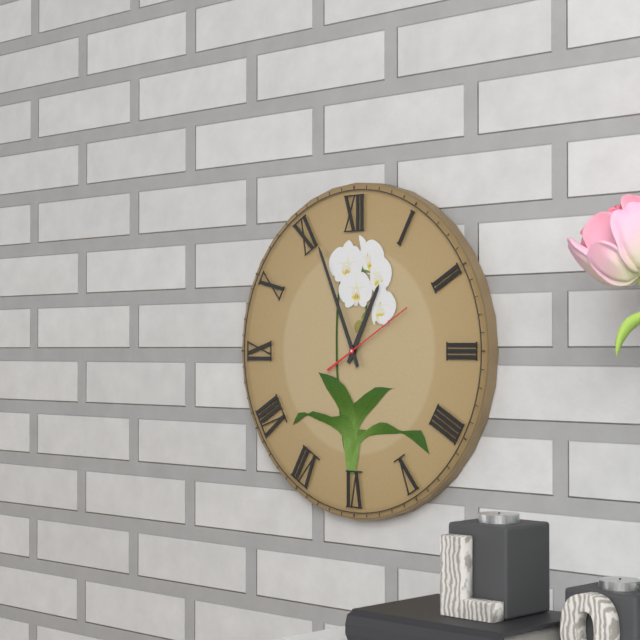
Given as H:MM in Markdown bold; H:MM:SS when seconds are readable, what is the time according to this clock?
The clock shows **12:56:10**
